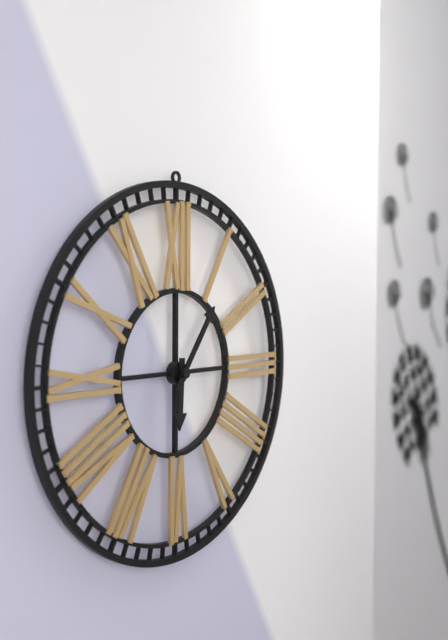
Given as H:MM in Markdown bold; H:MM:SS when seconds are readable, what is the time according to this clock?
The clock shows **6:06**
